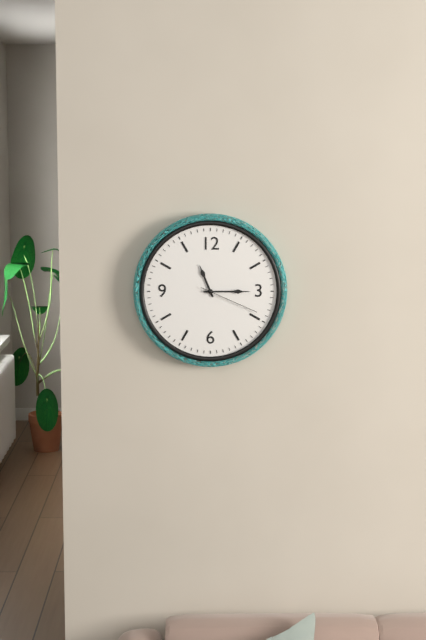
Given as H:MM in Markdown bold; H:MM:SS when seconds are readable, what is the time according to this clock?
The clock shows **11:15:19**
